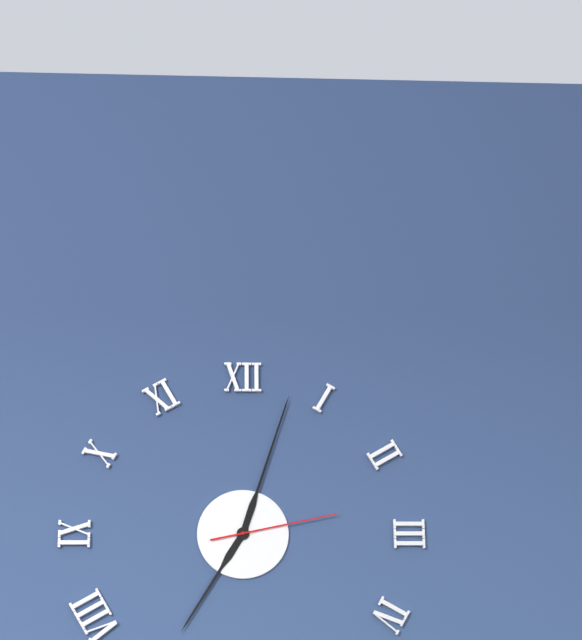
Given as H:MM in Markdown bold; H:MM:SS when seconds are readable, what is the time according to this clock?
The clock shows **7:03:13**
